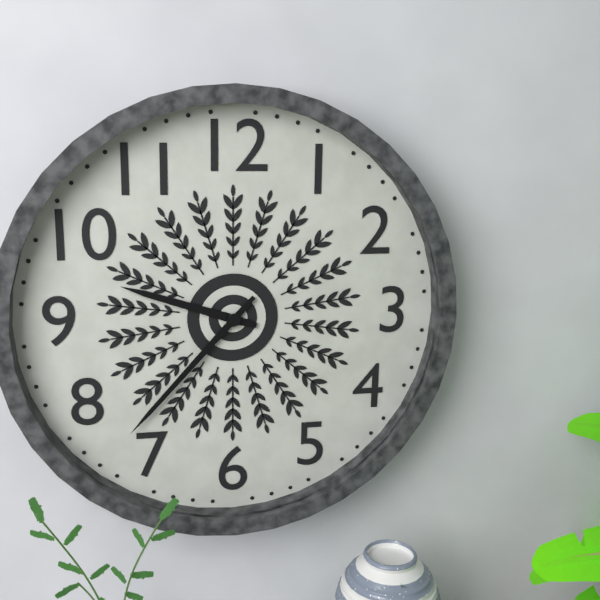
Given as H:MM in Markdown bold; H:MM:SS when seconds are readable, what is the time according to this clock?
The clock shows **9:37**
